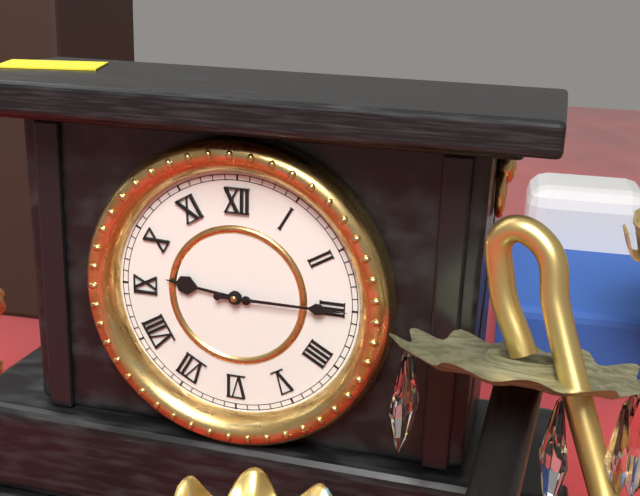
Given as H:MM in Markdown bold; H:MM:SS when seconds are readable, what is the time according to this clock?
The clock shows **9:15**
